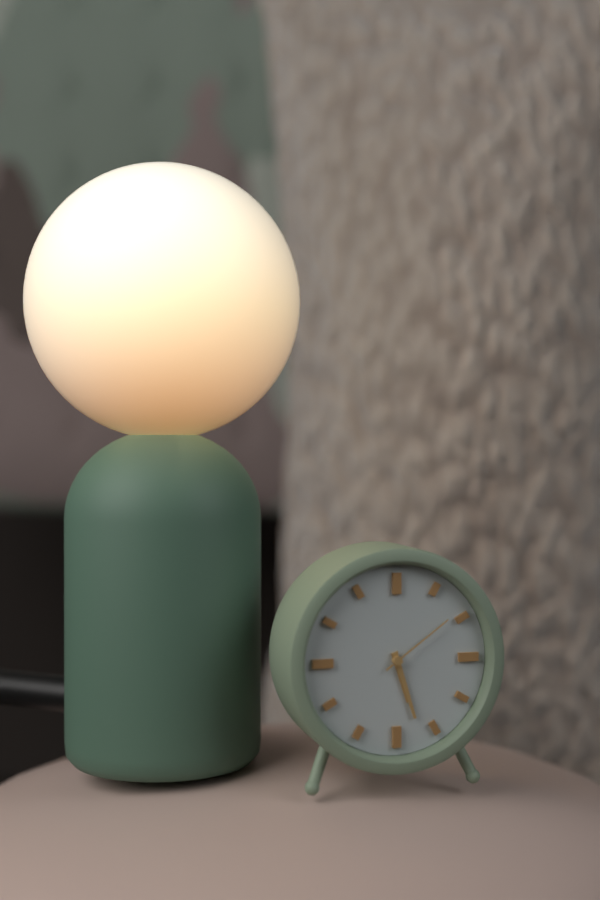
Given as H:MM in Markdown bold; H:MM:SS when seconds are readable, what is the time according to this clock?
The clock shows **5:27:09**
